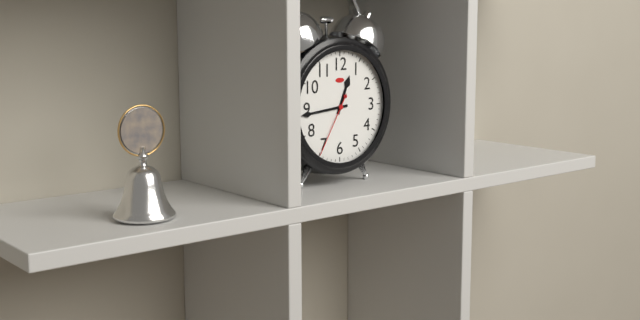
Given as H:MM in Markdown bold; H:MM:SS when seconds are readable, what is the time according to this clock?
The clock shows **12:44:35**
